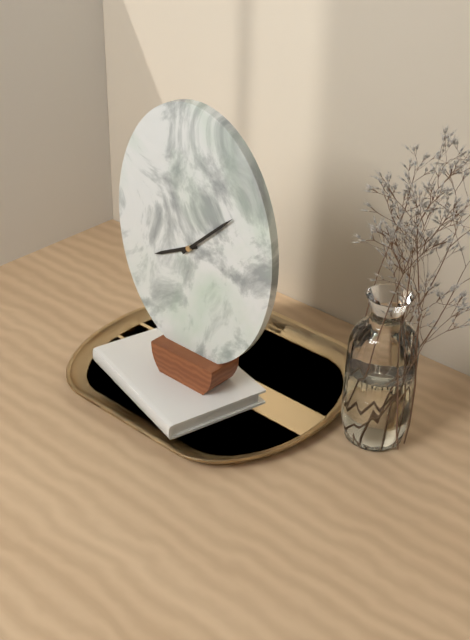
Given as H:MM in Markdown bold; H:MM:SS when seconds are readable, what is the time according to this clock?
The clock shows **8:08**
